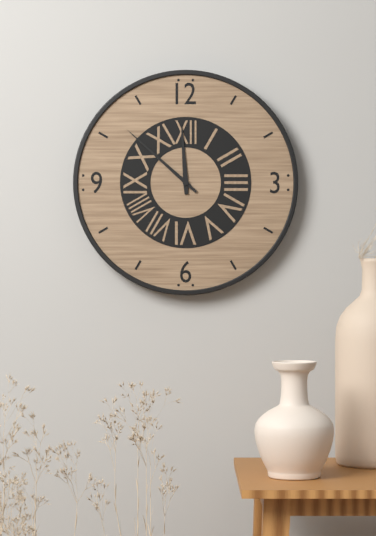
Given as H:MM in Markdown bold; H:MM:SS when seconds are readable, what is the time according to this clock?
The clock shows **11:52**
